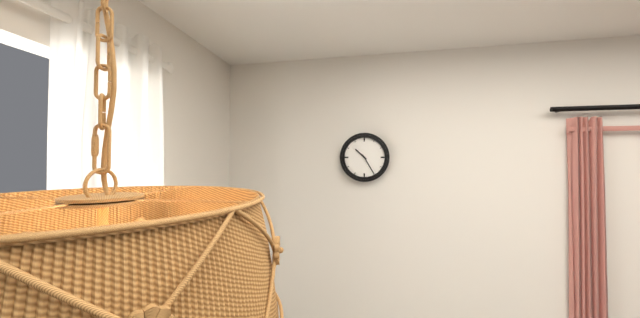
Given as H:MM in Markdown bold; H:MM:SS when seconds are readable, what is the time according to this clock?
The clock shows **10:25**
